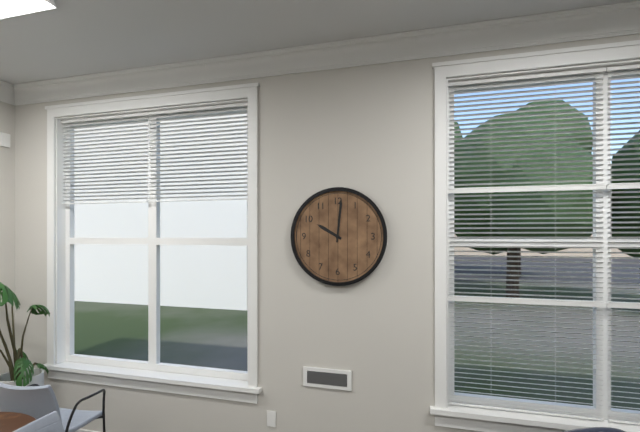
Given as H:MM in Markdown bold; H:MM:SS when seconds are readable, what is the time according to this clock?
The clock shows **10:01**
